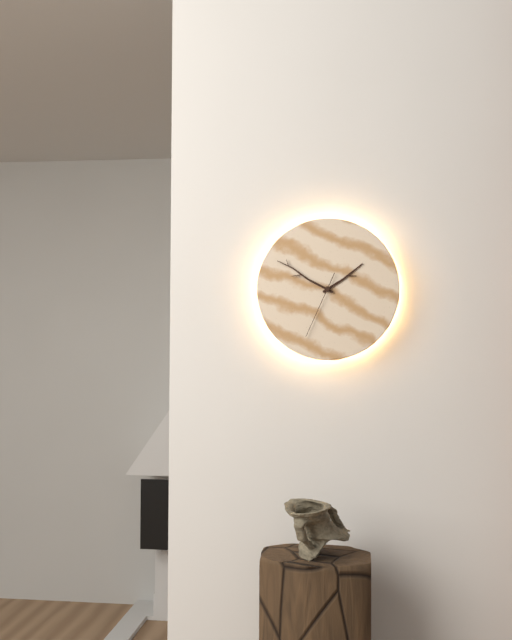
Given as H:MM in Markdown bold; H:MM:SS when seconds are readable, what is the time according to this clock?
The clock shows **1:50:34**
